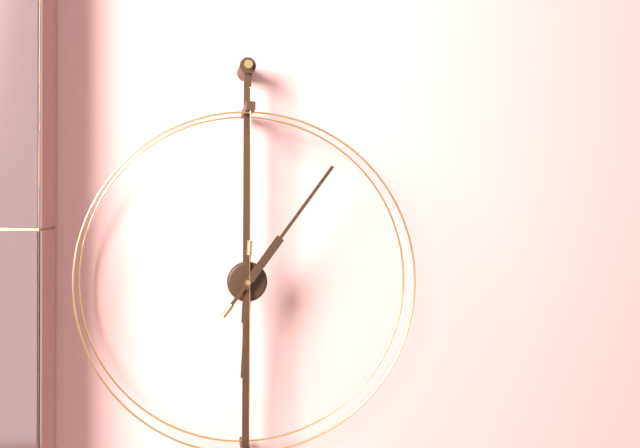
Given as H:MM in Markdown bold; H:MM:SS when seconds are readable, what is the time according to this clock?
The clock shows **6:06**
